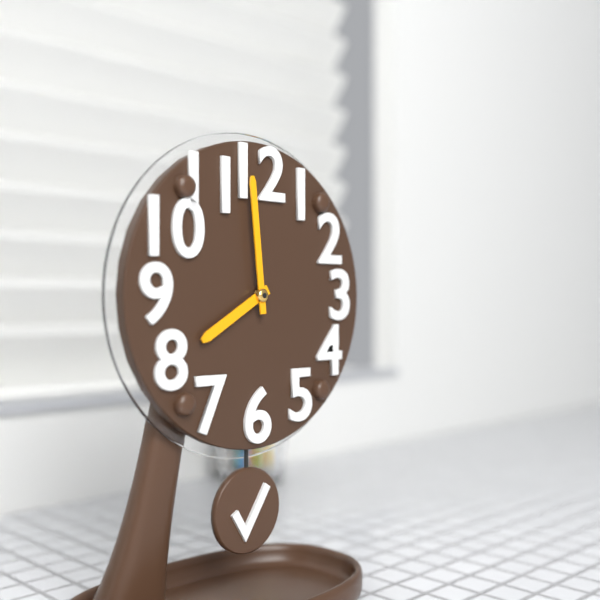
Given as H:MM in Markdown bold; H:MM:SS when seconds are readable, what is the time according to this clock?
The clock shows **7:59**
